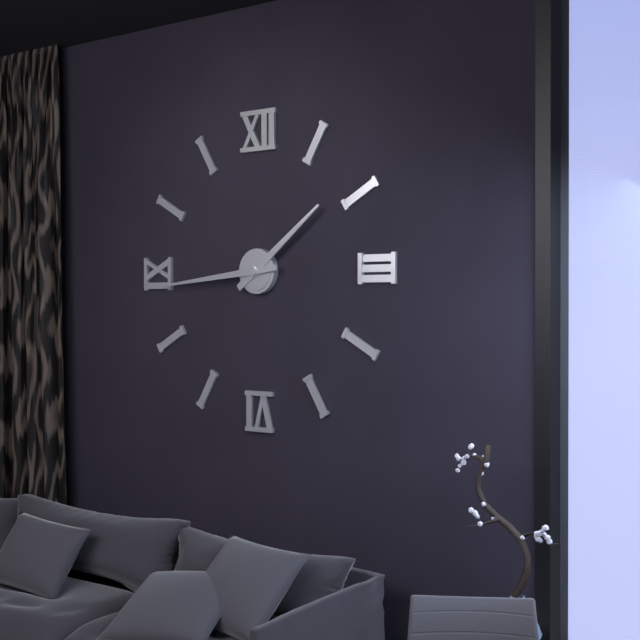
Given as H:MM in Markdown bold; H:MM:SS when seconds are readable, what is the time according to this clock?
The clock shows **1:44**
